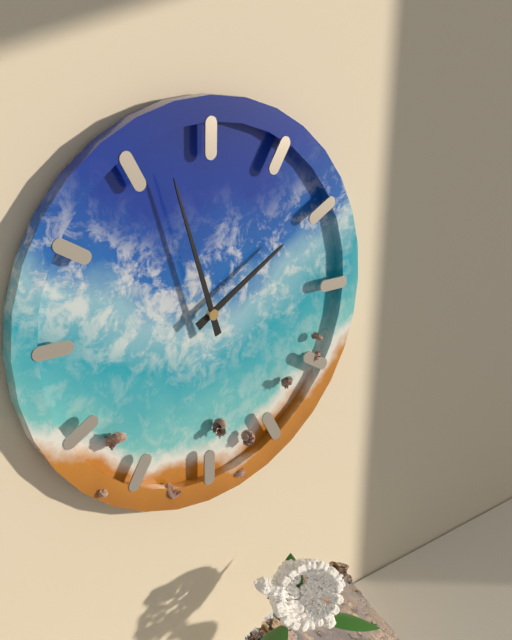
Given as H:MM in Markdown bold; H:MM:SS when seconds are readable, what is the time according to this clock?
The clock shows **1:57**
